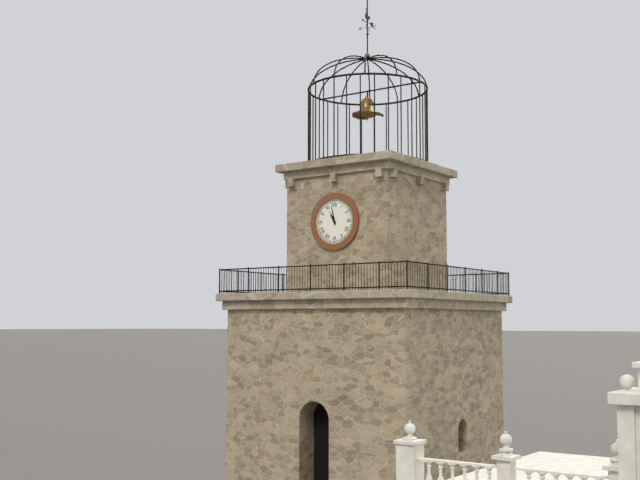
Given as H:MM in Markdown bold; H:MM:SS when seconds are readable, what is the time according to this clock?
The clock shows **10:58**
